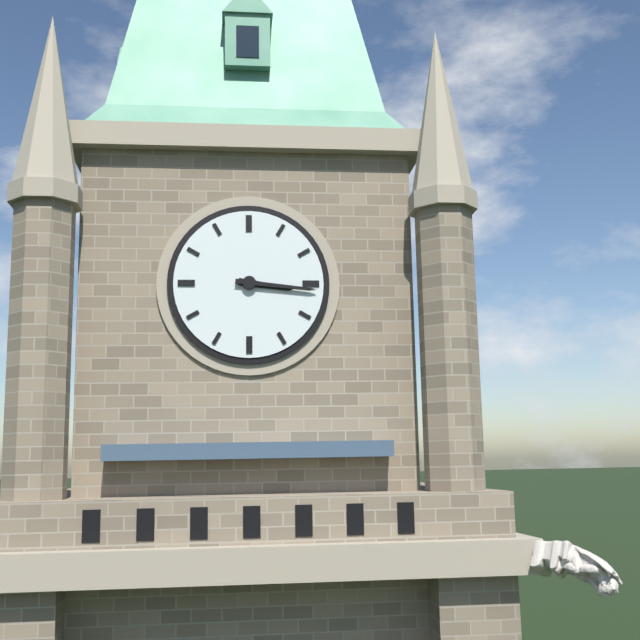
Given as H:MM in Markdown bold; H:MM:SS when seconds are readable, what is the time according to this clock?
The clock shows **3:16**
